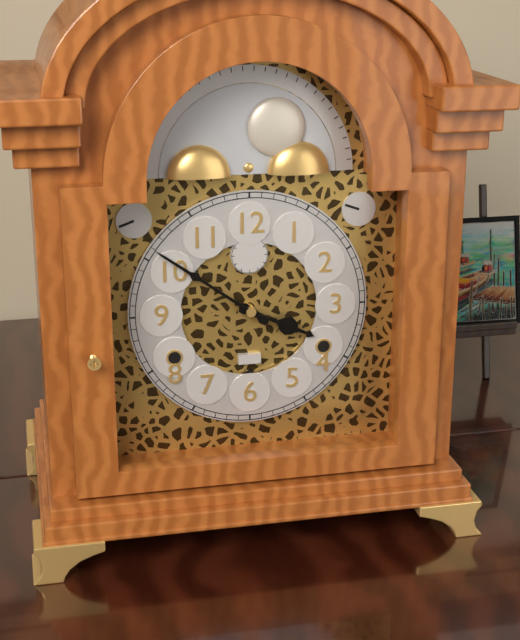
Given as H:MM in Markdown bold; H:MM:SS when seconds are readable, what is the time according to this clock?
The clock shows **3:51**
